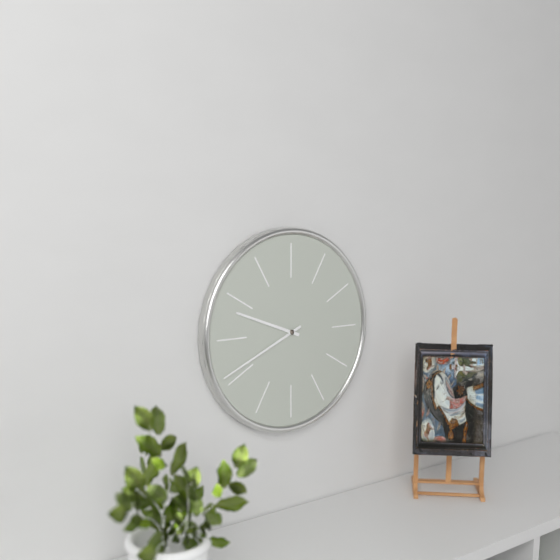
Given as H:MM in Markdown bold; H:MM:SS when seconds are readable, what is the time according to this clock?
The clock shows **9:41**
